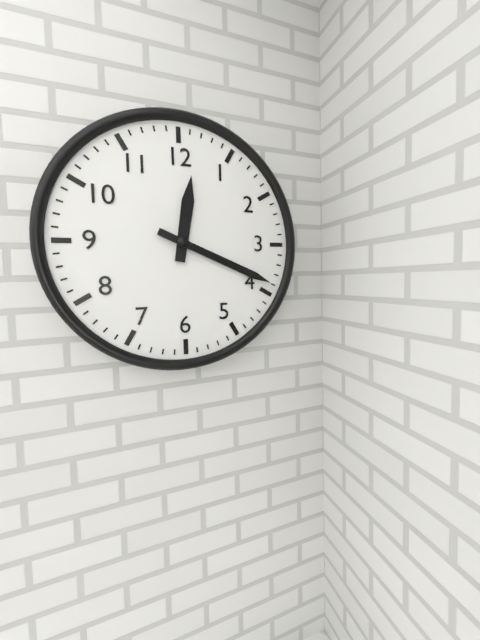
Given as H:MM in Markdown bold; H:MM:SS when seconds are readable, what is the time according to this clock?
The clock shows **12:19**
